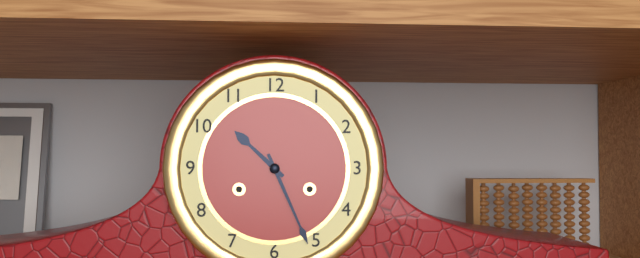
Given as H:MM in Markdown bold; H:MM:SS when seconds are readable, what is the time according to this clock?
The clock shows **10:26**
